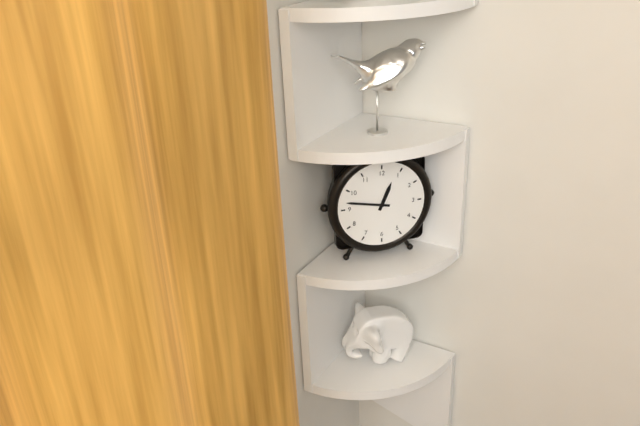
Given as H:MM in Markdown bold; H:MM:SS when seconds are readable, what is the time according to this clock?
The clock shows **12:47**
